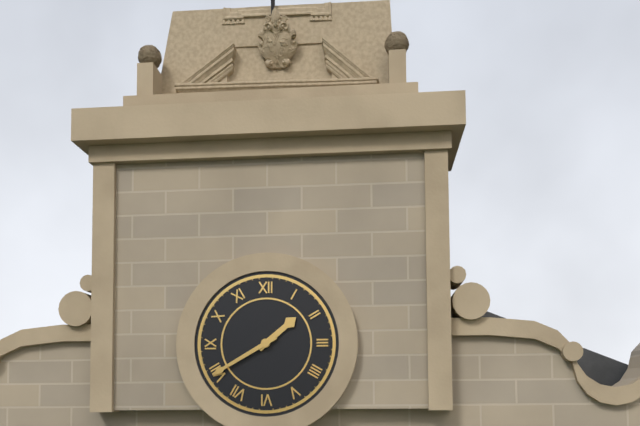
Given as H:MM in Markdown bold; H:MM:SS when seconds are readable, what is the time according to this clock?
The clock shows **1:40**
